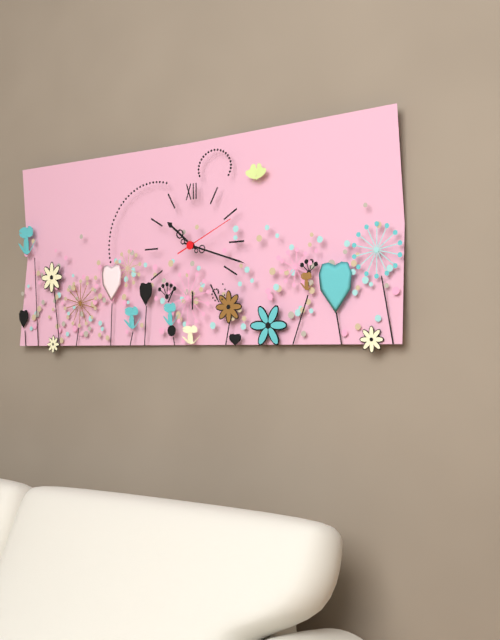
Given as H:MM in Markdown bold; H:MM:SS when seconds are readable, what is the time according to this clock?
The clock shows **10:18:11**
